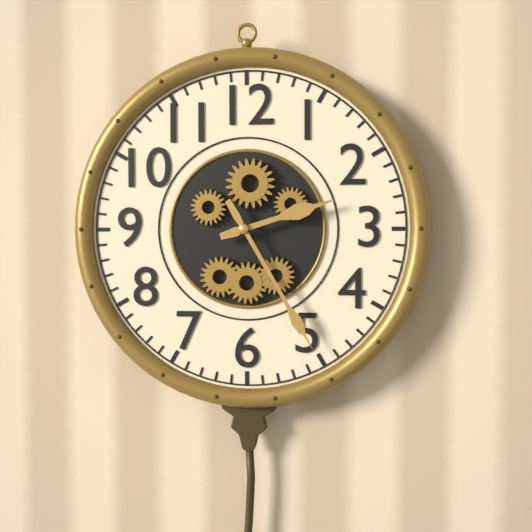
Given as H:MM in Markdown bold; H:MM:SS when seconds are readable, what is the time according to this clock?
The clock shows **2:25**
